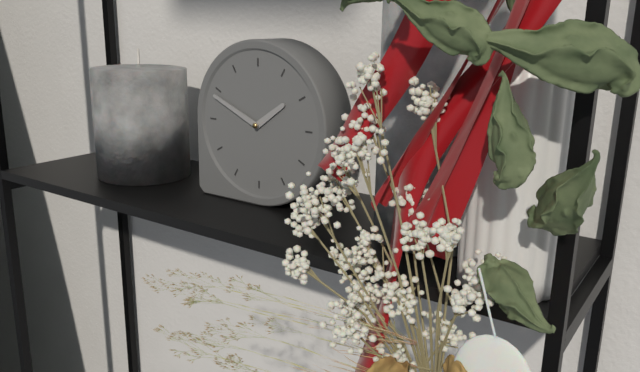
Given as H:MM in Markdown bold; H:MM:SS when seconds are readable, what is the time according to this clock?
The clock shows **1:49**
